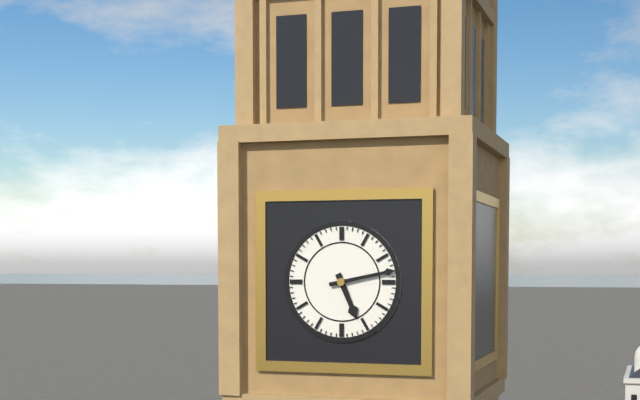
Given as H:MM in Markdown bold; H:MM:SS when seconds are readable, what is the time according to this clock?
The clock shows **5:13**
